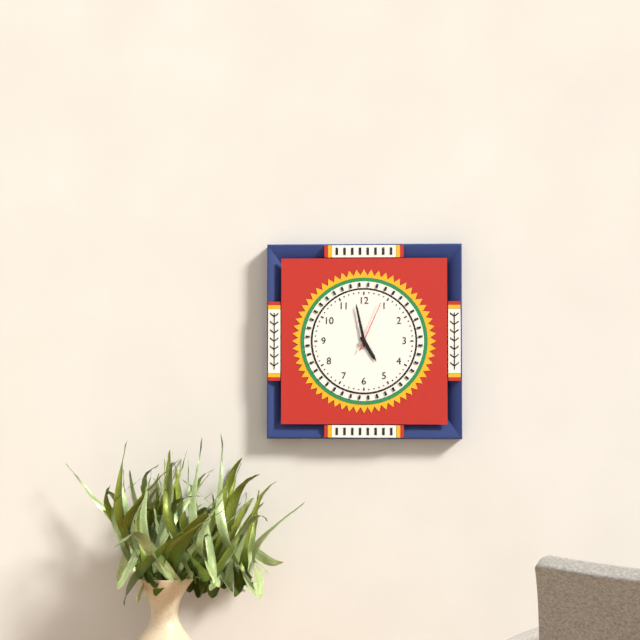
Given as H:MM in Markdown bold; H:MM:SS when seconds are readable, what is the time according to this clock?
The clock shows **4:58:04**
